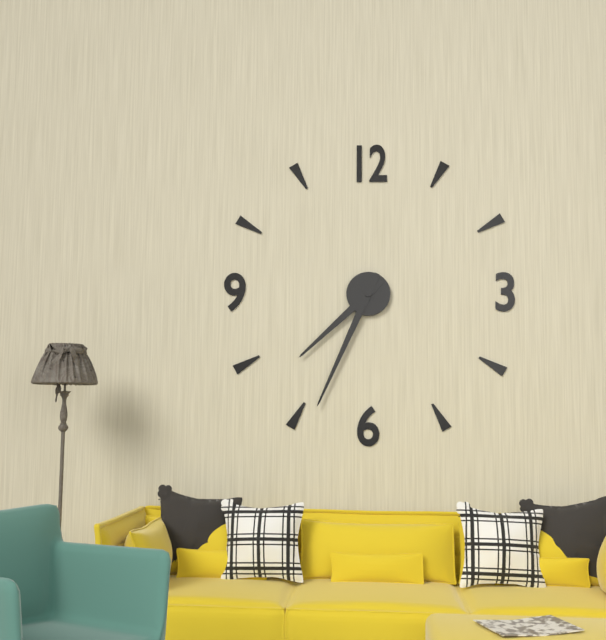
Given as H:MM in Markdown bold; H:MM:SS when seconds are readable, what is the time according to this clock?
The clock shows **7:34**
